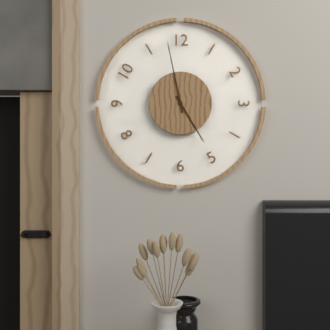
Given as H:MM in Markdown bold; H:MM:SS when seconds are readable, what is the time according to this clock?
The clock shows **4:58**
